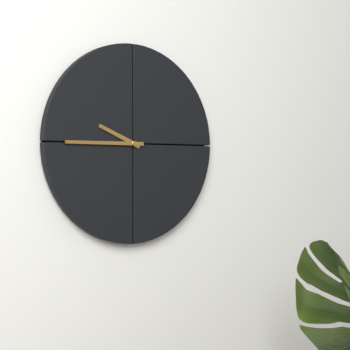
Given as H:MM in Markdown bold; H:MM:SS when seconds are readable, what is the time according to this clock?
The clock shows **9:45**
